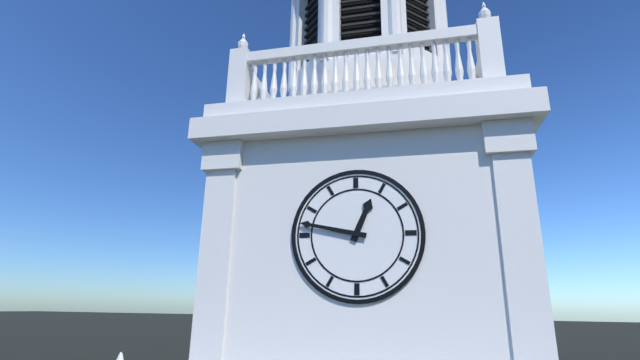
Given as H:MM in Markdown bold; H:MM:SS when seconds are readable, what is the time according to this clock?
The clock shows **12:47**
